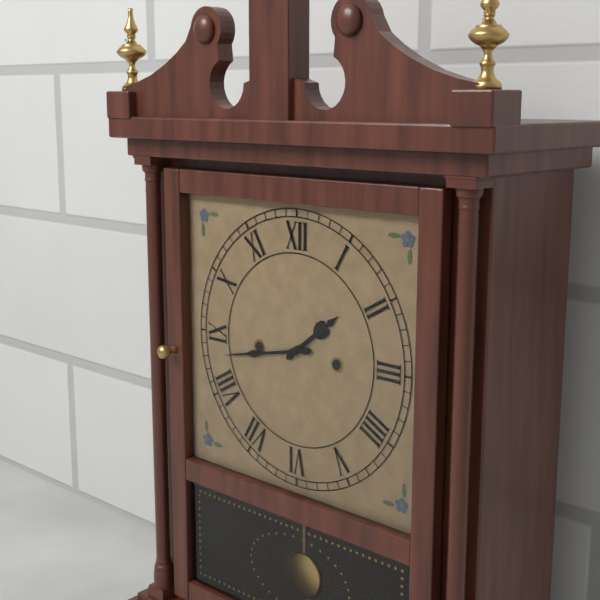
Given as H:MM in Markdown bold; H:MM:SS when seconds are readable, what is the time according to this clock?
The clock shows **1:43**
